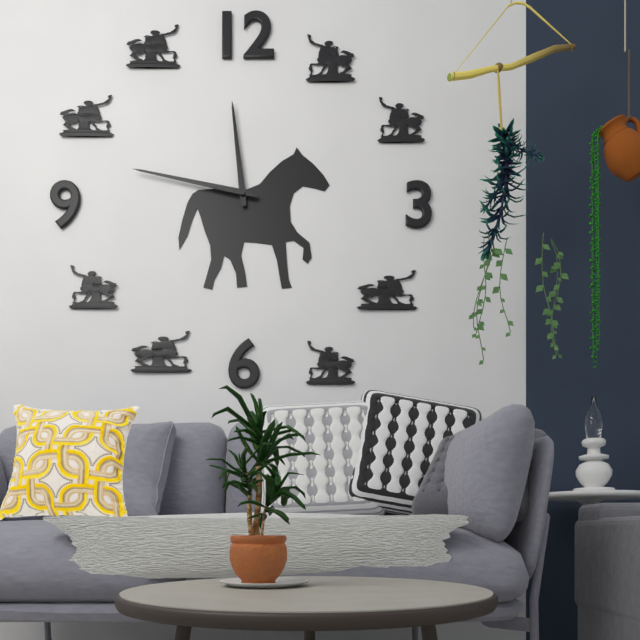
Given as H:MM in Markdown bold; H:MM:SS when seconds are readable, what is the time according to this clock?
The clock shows **11:47**
